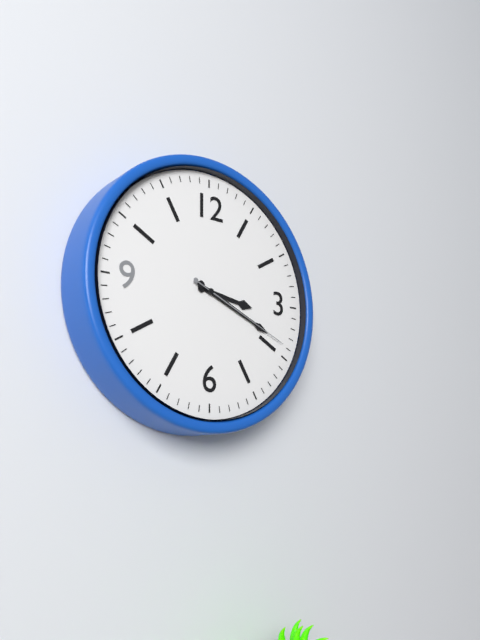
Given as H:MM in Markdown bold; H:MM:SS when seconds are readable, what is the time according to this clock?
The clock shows **3:19:19**
